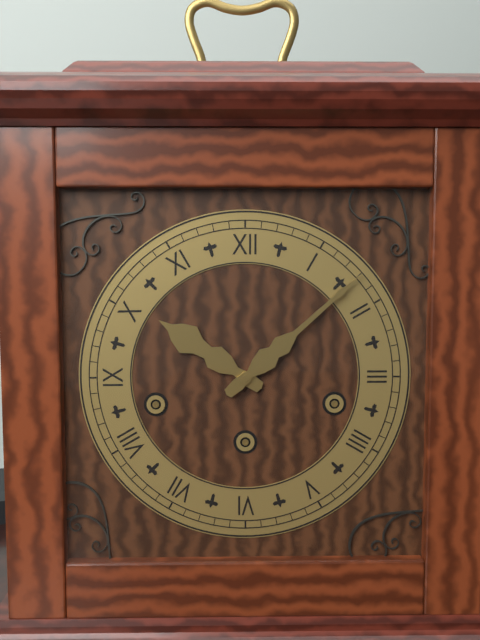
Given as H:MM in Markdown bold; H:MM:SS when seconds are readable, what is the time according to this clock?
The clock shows **10:08**
